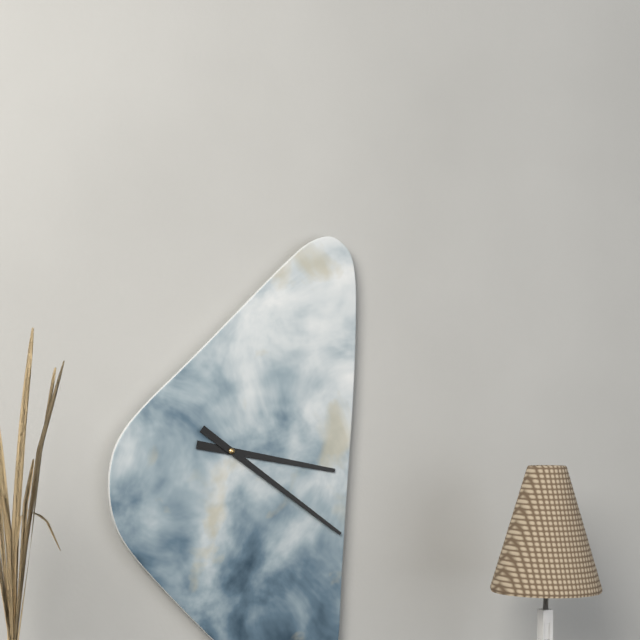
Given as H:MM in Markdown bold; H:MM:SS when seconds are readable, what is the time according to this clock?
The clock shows **3:21**
